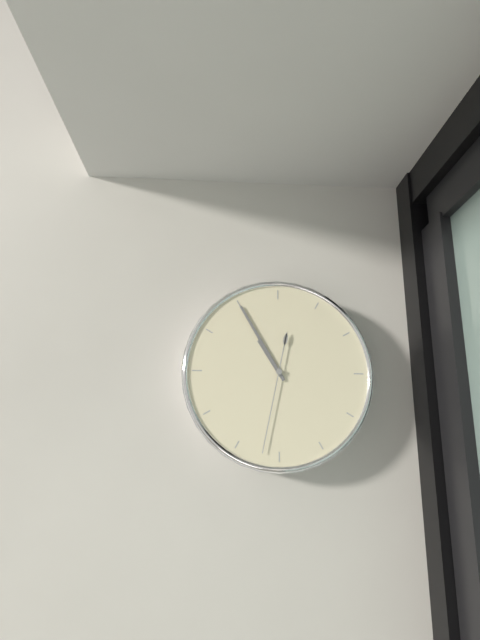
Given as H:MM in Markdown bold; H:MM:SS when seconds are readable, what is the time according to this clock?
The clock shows **10:55:32**
